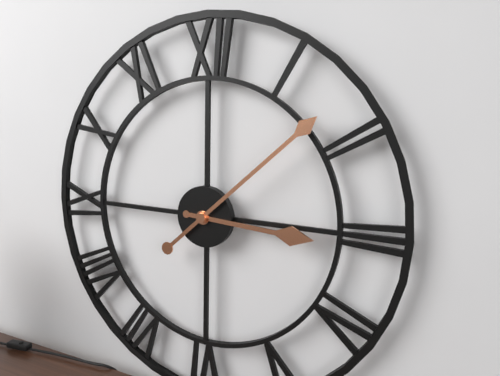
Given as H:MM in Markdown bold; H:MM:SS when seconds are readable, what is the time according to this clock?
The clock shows **3:08**
